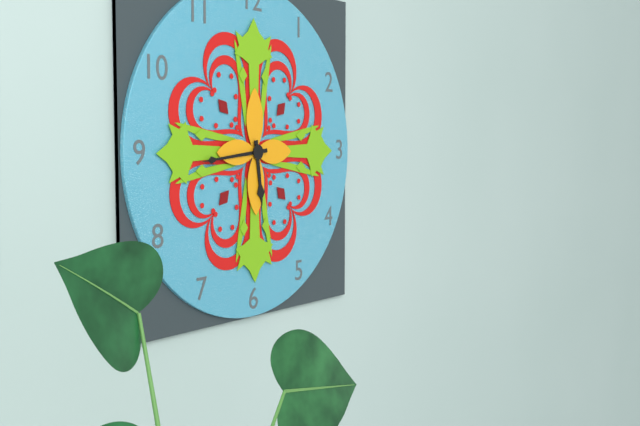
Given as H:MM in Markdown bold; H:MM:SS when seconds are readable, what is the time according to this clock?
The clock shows **5:44**
